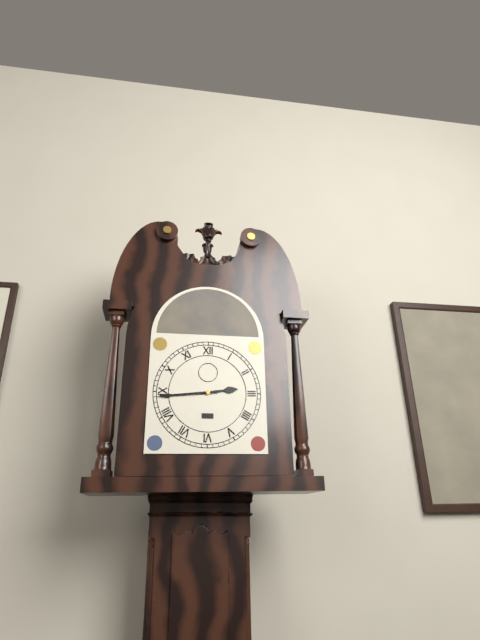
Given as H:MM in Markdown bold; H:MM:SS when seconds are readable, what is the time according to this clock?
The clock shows **2:44**
